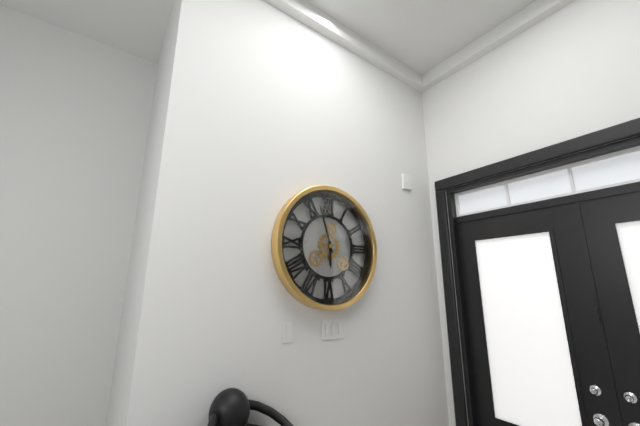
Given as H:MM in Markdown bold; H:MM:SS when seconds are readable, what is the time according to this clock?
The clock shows **5:57**
